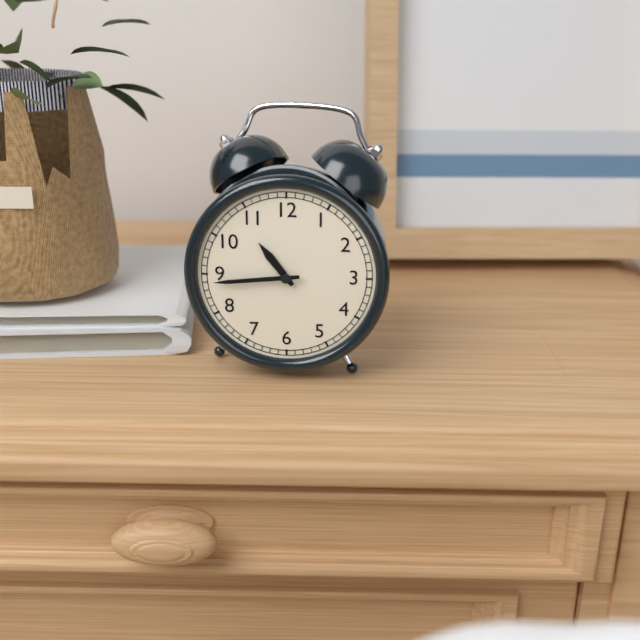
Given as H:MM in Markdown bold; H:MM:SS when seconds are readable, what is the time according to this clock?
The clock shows **10:44**
